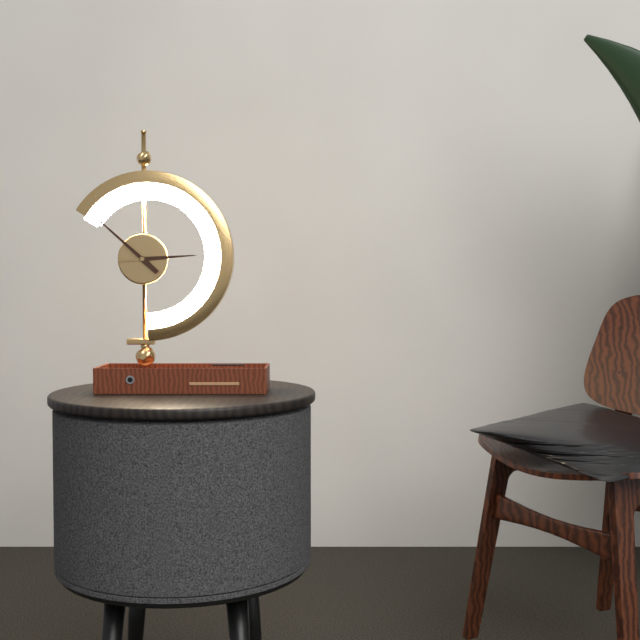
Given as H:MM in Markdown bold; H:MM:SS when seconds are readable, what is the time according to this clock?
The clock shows **2:52**
